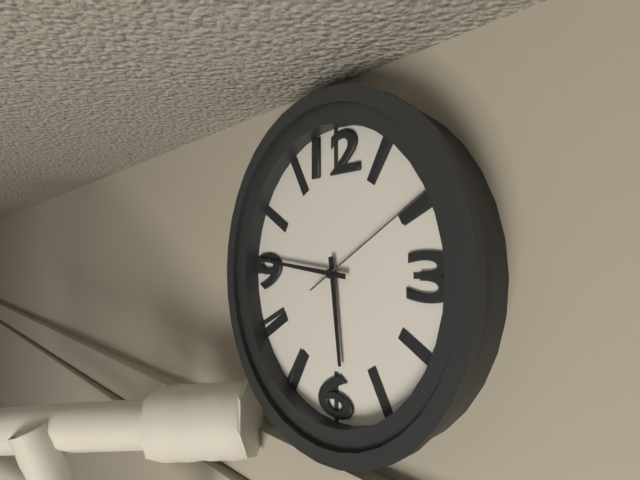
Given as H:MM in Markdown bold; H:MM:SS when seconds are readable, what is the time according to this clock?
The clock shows **5:46:10**
